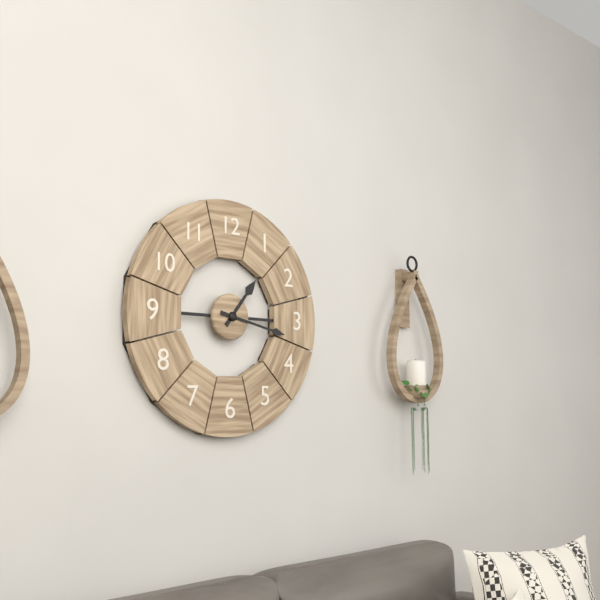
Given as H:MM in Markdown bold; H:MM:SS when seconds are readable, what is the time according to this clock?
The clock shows **1:17**
